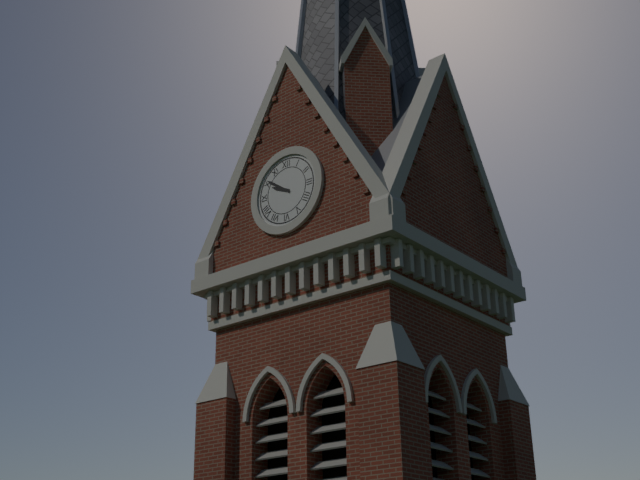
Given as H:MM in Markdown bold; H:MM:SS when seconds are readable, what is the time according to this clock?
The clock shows **9:51**
